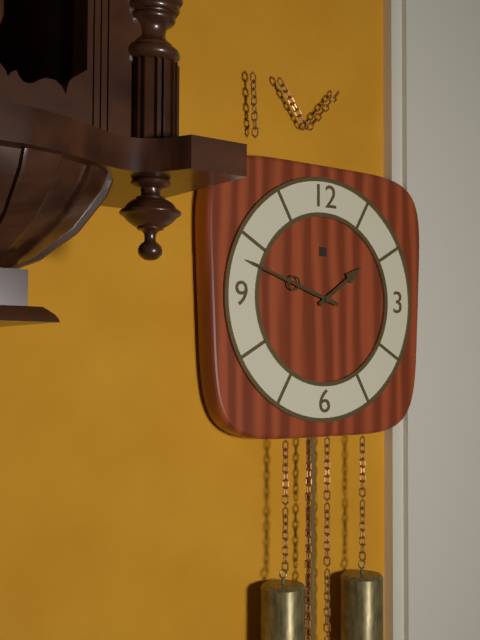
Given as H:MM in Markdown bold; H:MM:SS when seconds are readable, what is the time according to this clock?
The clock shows **1:48**
